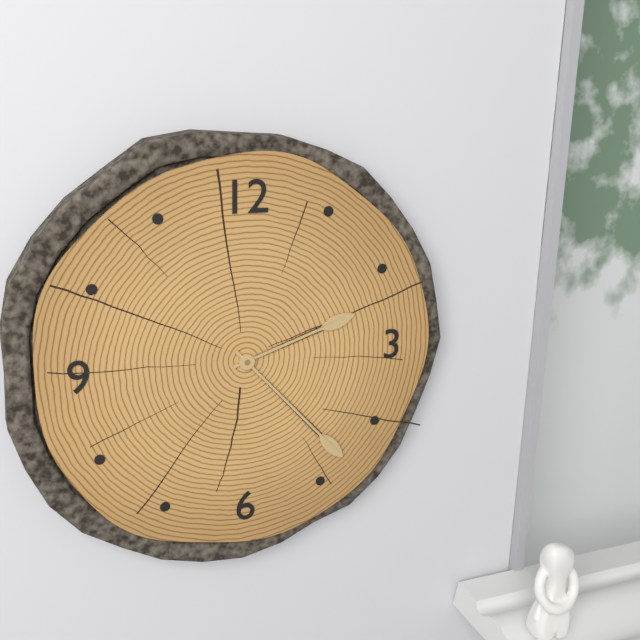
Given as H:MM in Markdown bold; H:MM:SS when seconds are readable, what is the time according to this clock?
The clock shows **2:23**
